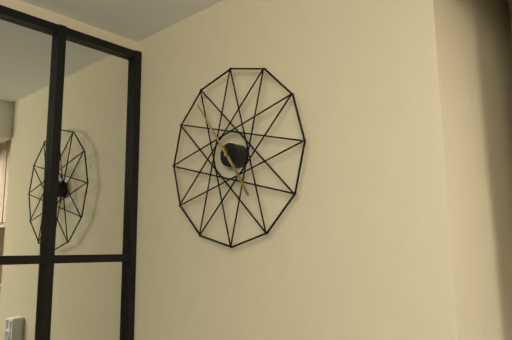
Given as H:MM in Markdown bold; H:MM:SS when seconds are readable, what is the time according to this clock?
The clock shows **4:54**
